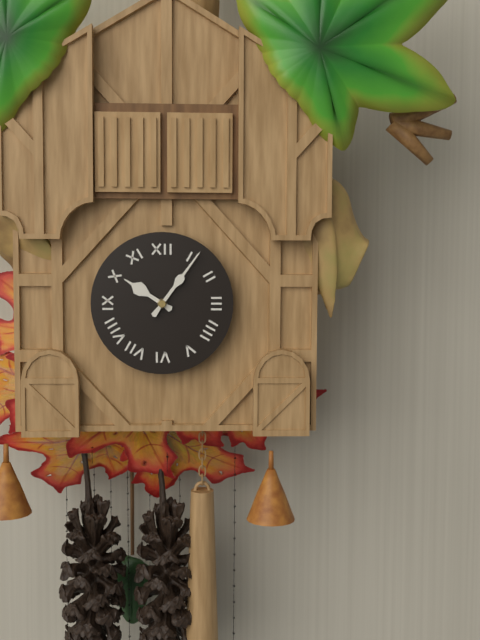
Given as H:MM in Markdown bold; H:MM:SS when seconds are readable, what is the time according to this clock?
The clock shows **10:06**
